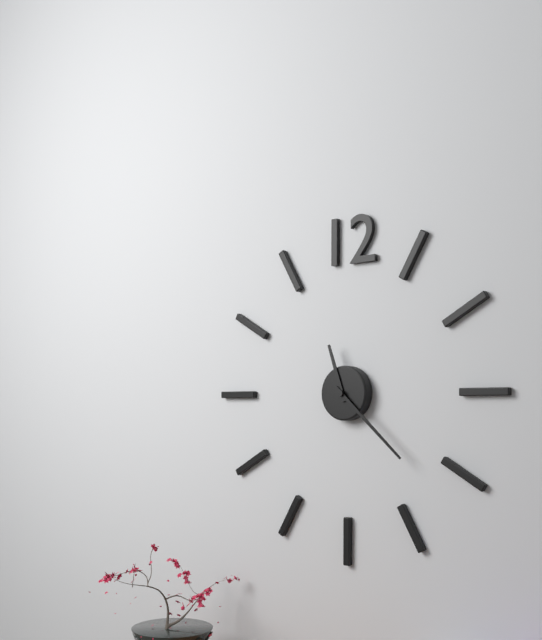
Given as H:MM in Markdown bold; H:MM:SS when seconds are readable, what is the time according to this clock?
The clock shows **11:22**
